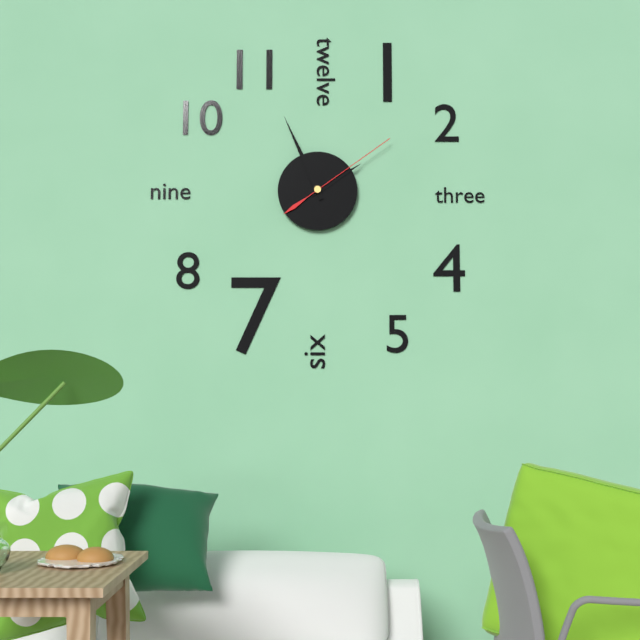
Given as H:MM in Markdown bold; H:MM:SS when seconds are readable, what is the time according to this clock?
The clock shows **1:56:09**
